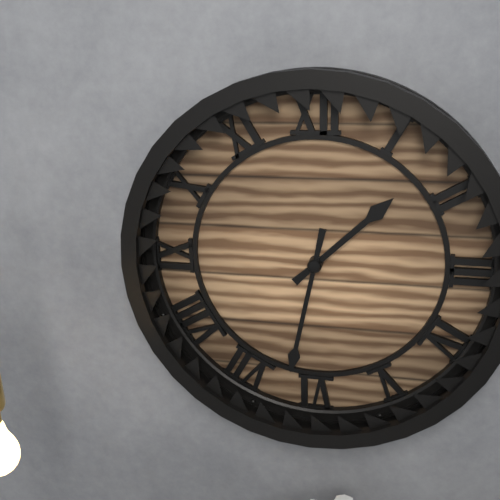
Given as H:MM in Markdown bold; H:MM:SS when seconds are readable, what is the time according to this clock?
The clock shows **1:32**
